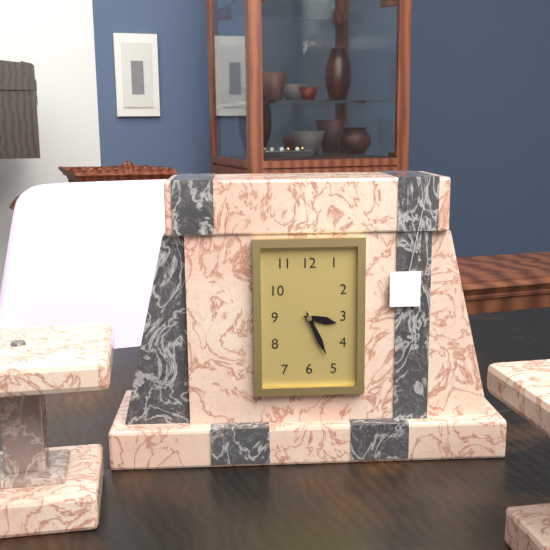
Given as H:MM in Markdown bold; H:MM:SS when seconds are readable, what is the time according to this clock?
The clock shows **3:26**
